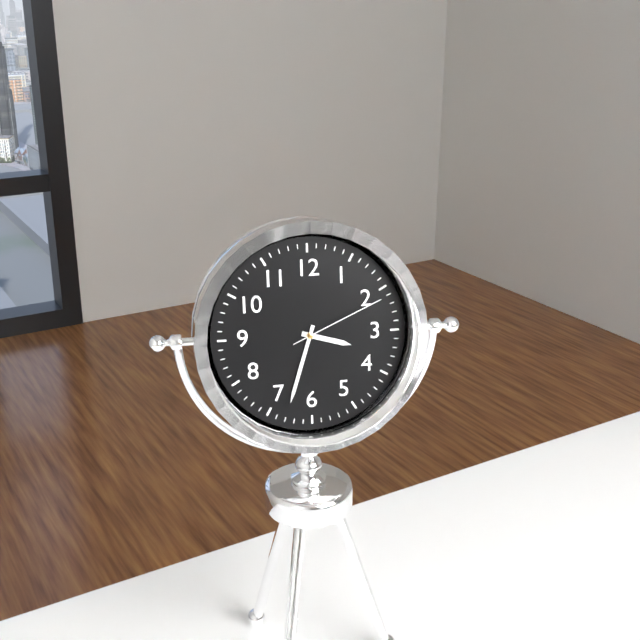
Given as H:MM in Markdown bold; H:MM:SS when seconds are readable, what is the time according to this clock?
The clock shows **3:33:11**
